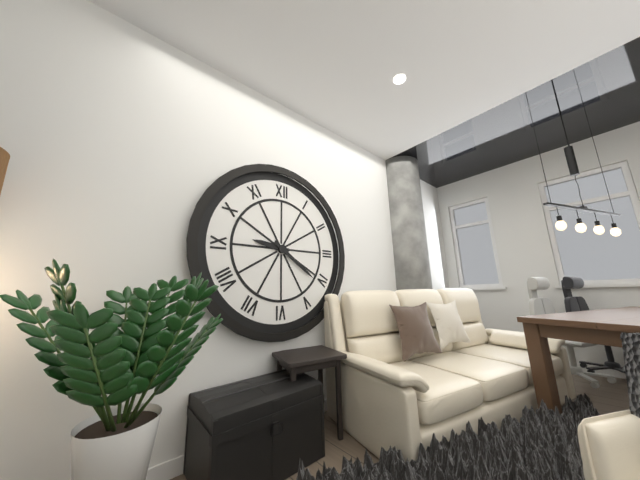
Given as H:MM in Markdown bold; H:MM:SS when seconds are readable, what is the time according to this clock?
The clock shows **9:21**
